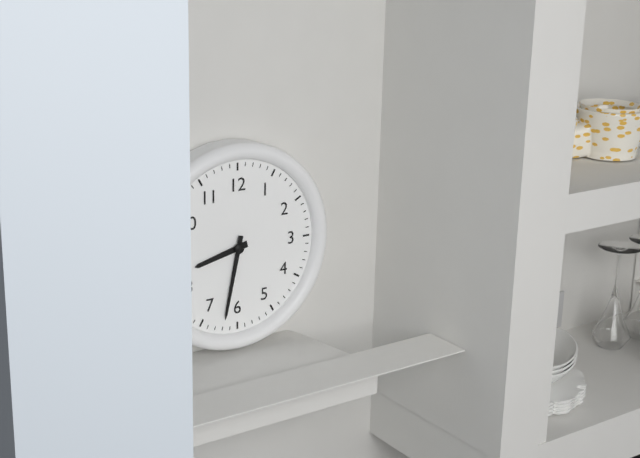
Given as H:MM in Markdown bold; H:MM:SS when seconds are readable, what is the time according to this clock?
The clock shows **8:32**
